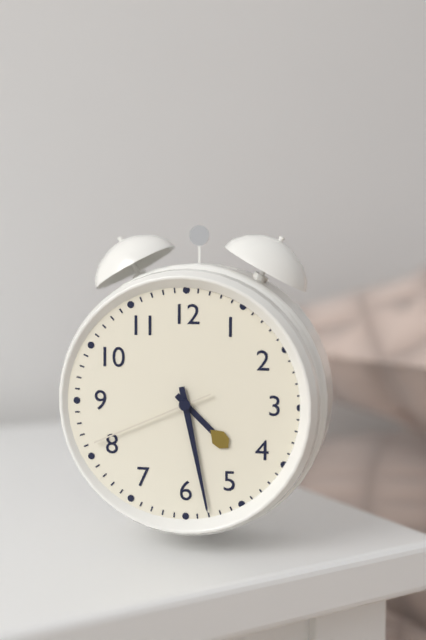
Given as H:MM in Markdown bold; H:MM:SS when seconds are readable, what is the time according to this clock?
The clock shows **4:28:41**
